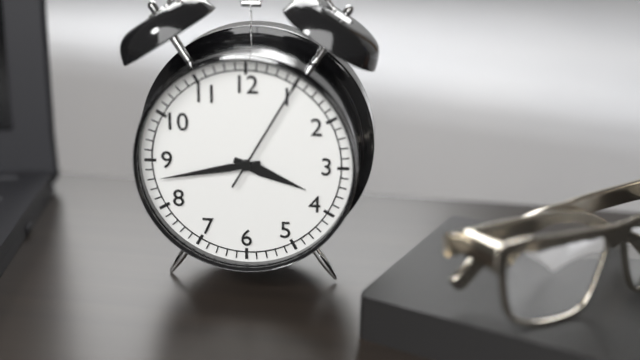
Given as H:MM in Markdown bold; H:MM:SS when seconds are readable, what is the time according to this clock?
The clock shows **3:43:05**
